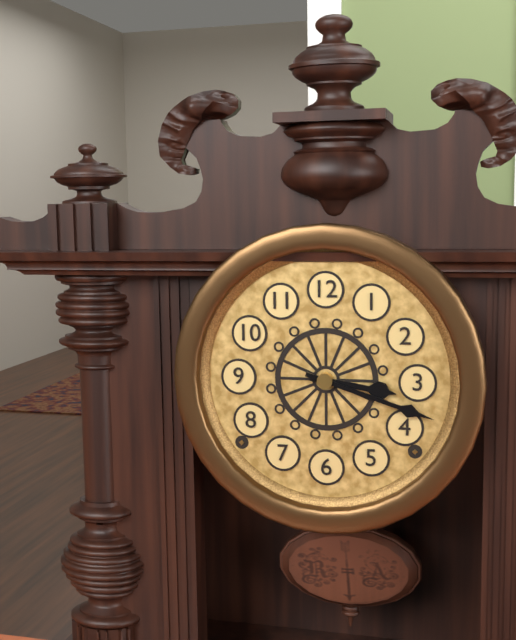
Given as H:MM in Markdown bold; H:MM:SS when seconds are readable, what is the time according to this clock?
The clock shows **3:18**
